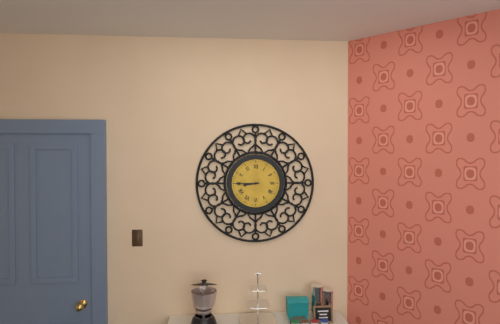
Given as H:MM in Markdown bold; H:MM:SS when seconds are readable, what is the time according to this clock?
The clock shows **8:45**
